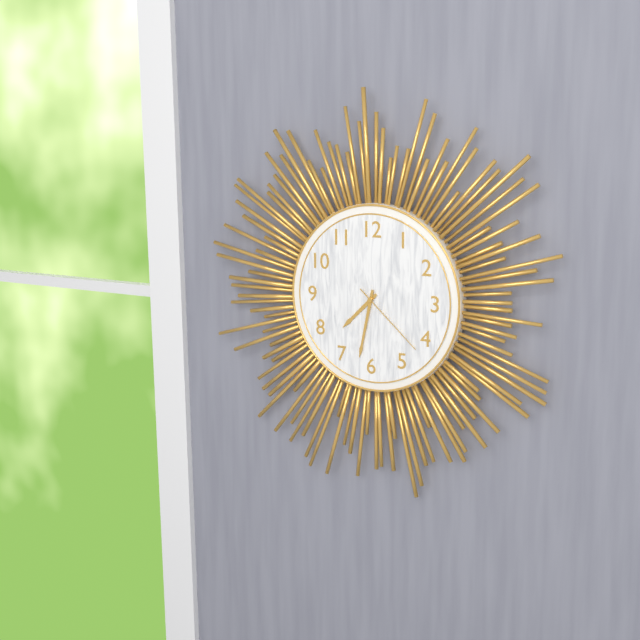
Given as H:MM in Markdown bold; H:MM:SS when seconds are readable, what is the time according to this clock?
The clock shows **7:32:22**
